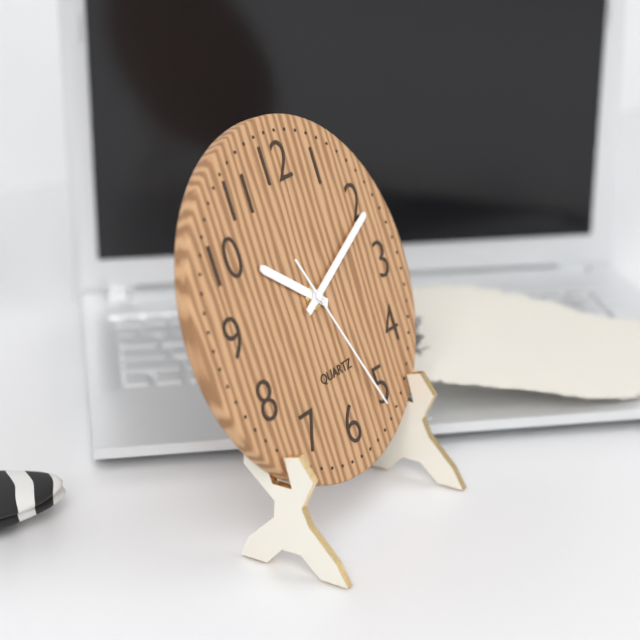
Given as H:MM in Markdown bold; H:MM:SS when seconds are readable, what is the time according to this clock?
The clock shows **10:11:26**
